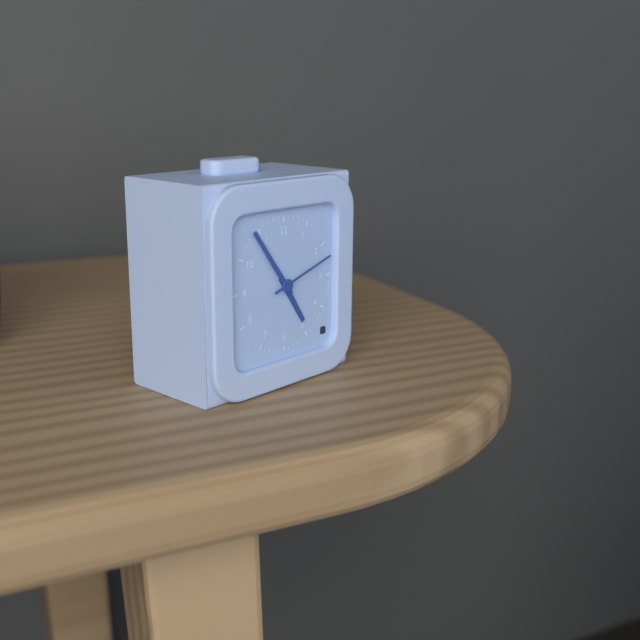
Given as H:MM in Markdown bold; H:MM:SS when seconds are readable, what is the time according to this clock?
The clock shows **4:54:12**
